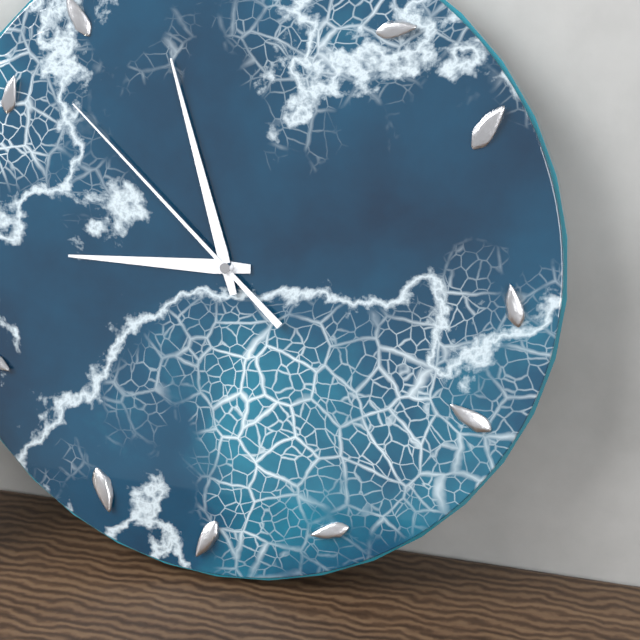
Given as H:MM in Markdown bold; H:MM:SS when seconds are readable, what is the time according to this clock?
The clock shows **8:57:52**
